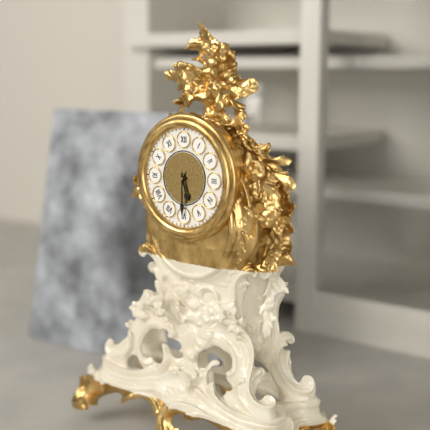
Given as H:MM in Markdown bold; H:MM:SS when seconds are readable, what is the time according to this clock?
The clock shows **5:30**
